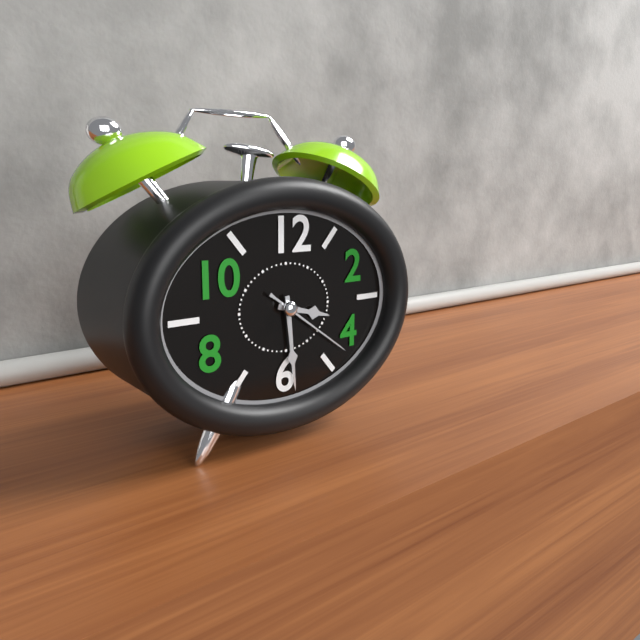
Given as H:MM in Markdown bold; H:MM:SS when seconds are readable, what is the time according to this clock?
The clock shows **3:29:21**
